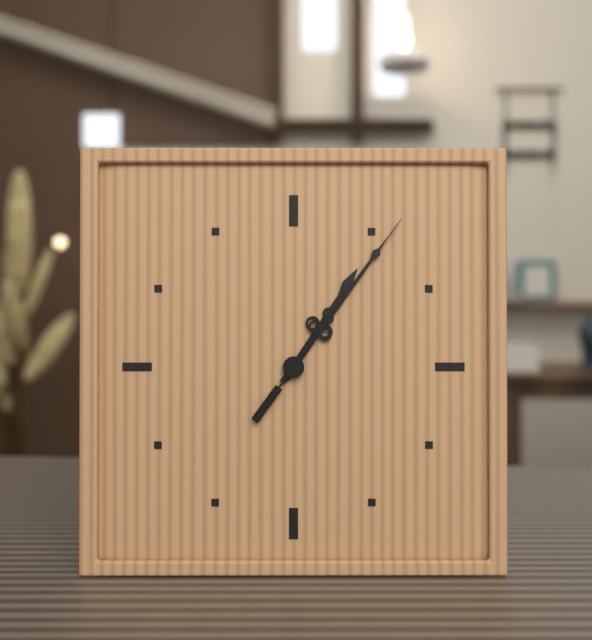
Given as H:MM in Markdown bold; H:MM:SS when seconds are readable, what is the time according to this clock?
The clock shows **1:06:06**
